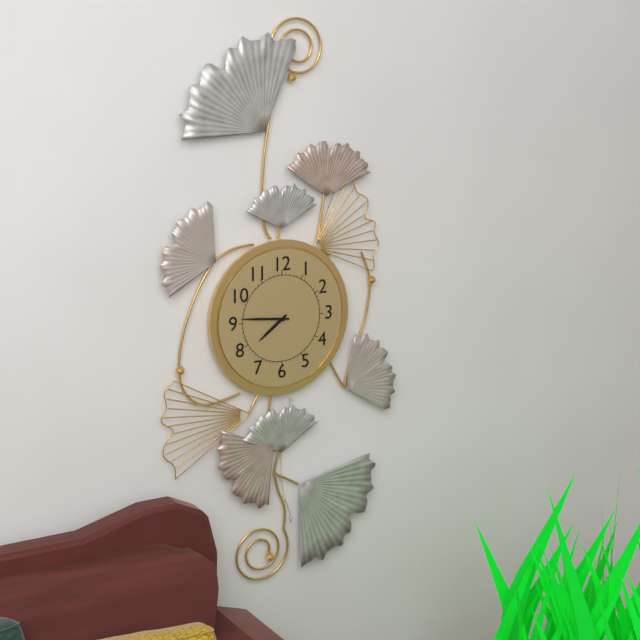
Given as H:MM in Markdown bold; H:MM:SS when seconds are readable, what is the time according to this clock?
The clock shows **7:46**
